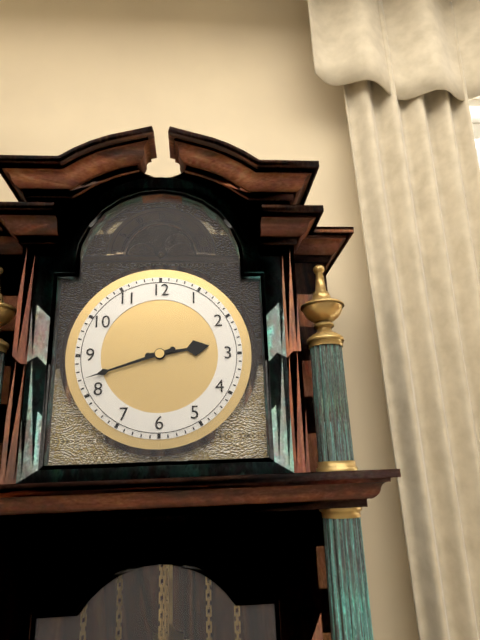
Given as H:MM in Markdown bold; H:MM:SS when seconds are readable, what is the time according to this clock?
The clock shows **2:42**
